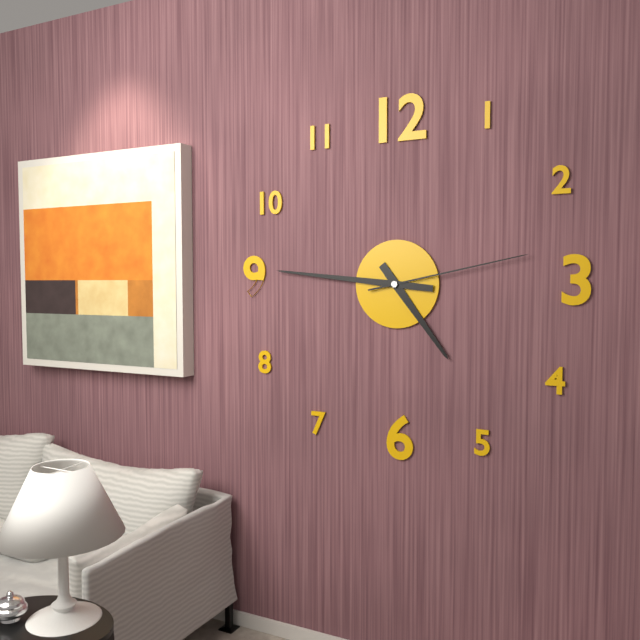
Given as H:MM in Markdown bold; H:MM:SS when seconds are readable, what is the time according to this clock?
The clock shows **4:46:13**
